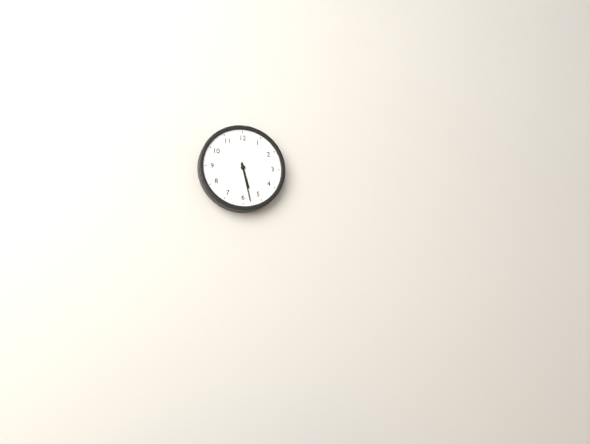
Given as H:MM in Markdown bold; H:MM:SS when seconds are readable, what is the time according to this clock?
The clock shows **5:28**
